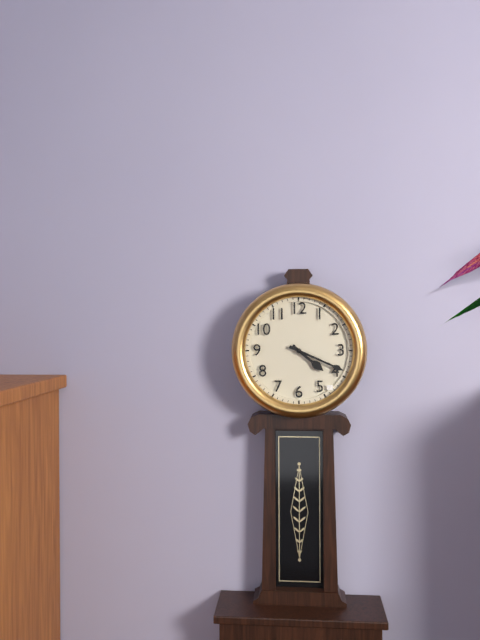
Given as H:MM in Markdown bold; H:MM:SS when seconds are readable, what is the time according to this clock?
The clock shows **4:19**
